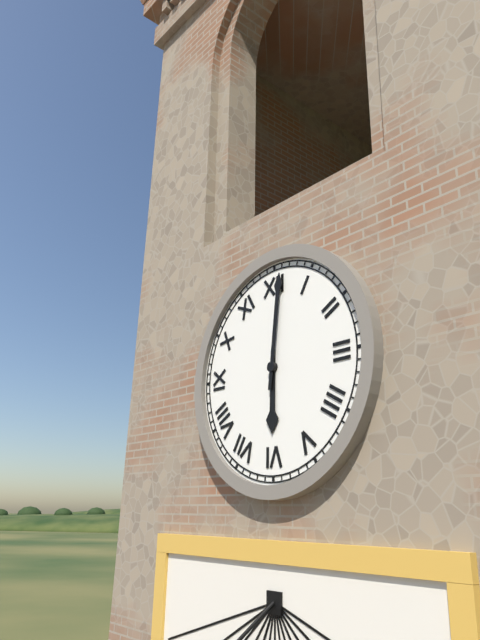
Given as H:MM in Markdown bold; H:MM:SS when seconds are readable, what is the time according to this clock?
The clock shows **6:01**
